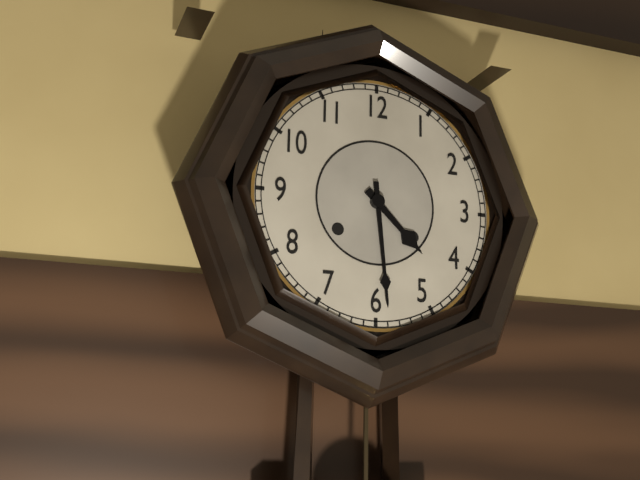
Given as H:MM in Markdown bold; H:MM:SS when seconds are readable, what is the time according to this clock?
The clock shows **4:29**
